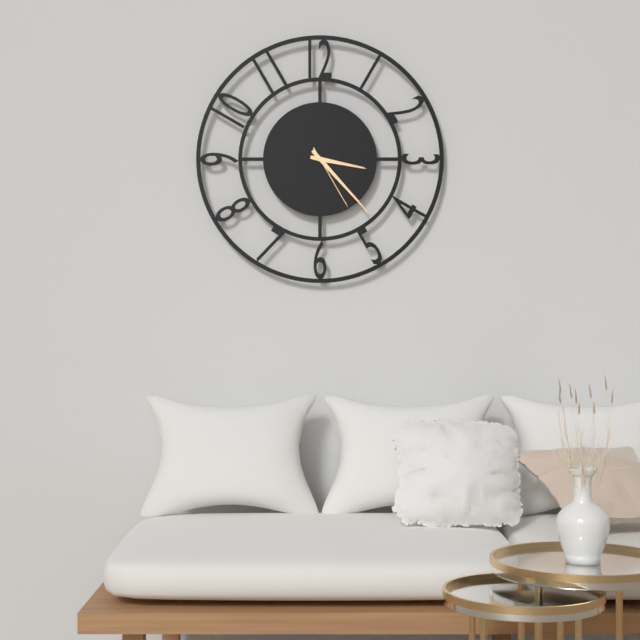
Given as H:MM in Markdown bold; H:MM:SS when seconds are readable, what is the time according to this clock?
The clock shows **3:23:25**
